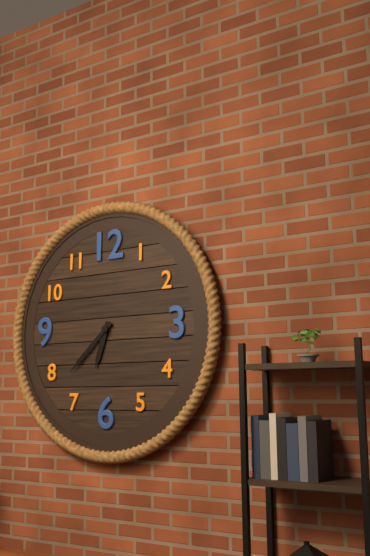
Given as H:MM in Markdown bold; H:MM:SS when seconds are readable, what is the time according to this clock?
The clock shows **6:38**
